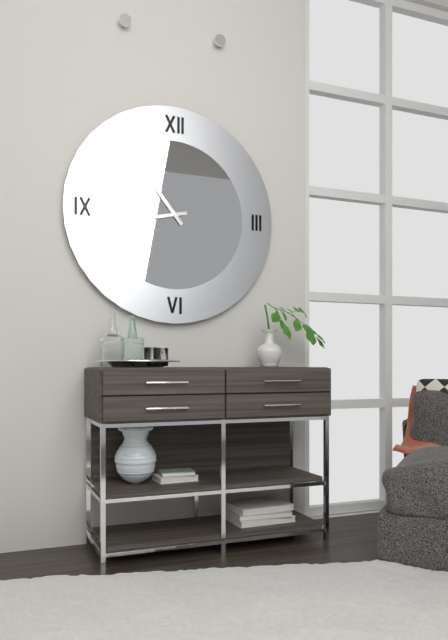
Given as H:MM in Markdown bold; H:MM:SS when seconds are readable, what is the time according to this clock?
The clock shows **10:43**
